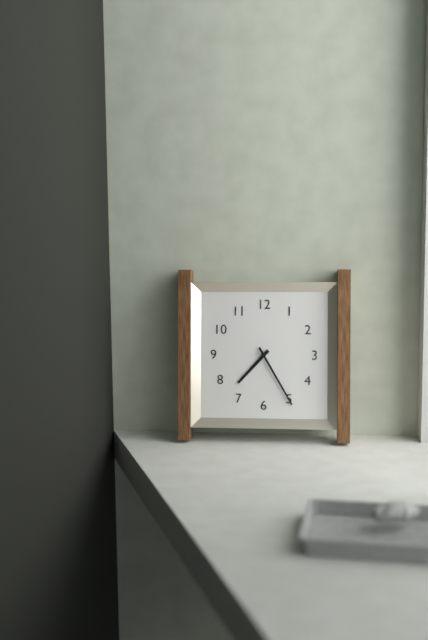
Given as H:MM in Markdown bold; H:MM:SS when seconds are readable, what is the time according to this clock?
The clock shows **7:25**
